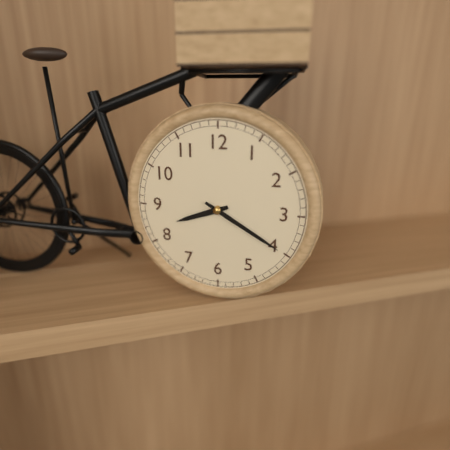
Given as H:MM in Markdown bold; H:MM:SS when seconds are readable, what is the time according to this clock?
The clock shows **8:20**
